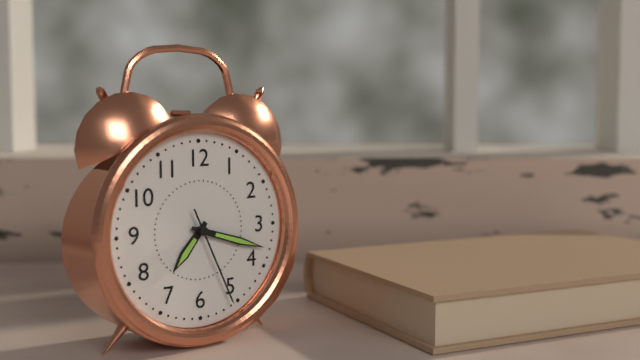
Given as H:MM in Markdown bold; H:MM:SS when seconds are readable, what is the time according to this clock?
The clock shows **7:18:26**
